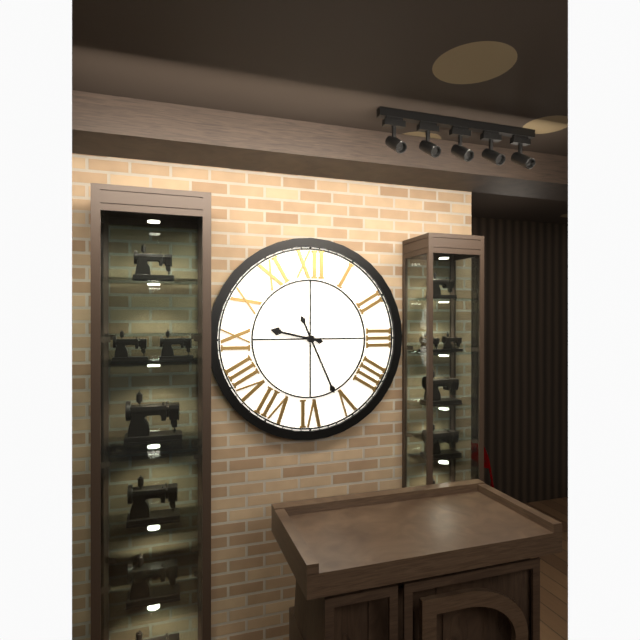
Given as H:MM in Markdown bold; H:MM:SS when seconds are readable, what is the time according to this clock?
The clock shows **9:26**
